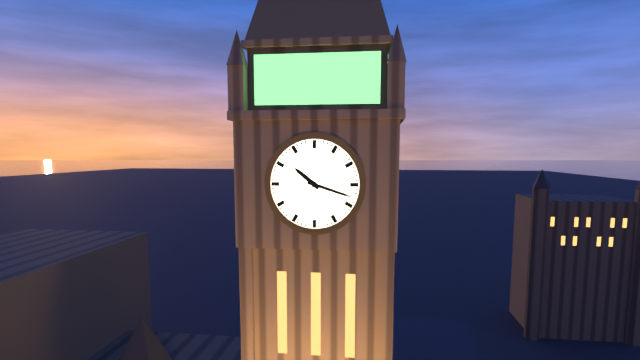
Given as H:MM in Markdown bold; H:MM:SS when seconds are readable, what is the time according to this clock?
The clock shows **10:18**
